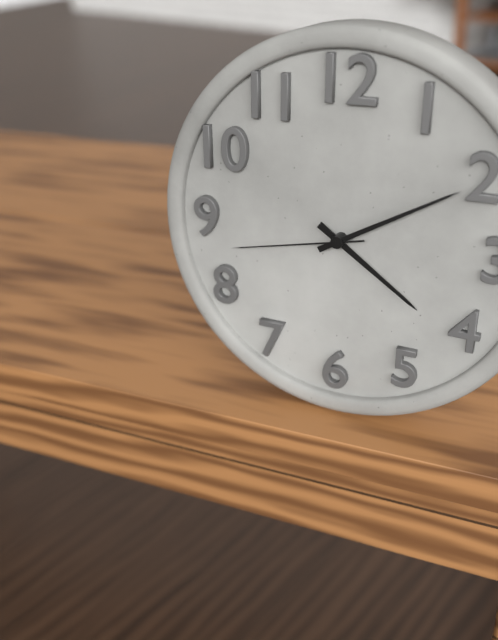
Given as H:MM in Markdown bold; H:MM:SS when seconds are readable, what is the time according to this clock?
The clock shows **4:10:43**
